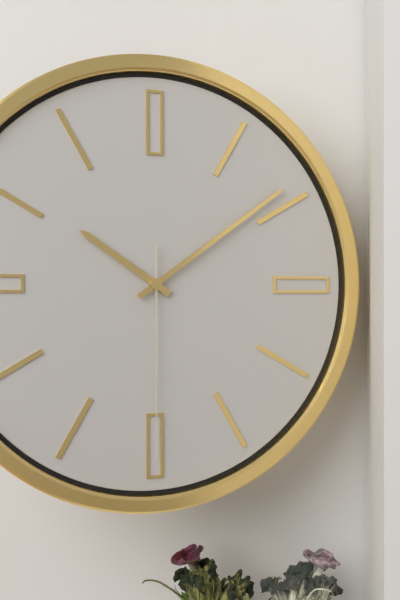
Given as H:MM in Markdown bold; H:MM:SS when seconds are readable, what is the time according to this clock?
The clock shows **10:09:30**
